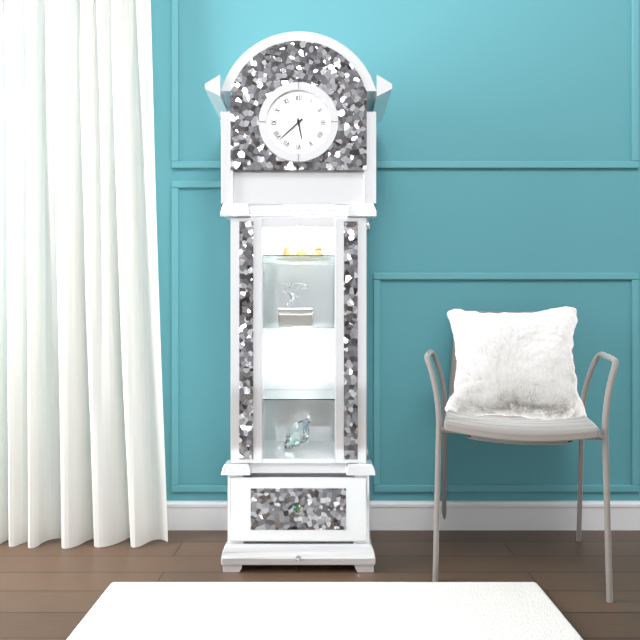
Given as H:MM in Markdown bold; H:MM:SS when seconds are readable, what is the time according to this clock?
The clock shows **5:38**
